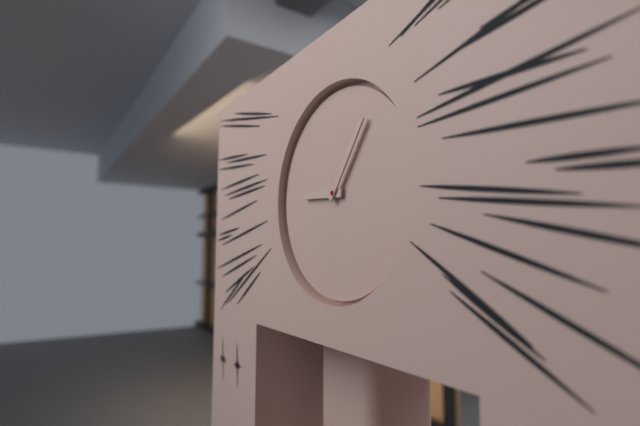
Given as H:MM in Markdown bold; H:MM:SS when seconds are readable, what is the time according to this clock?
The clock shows **9:06**
